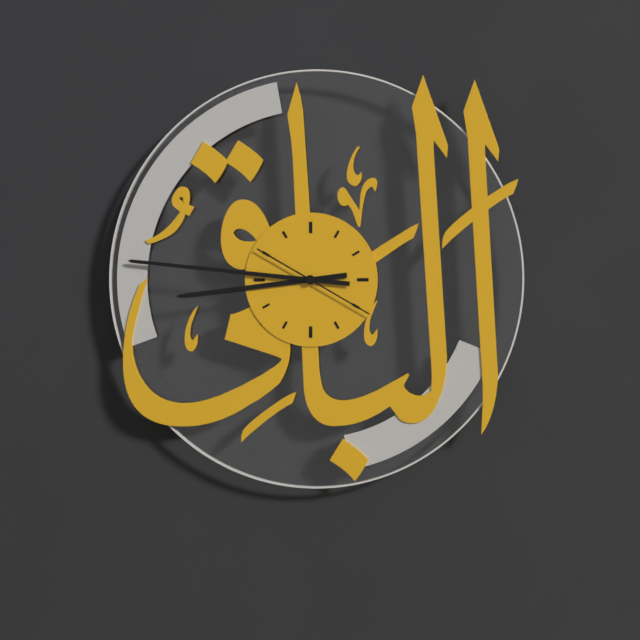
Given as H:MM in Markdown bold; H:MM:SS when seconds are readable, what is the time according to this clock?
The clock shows **8:46:20**
